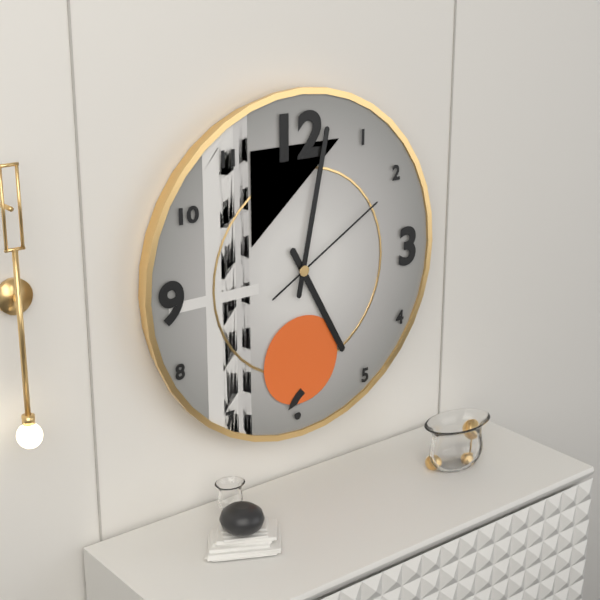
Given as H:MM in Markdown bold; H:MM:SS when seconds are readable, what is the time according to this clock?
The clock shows **5:02:10**
